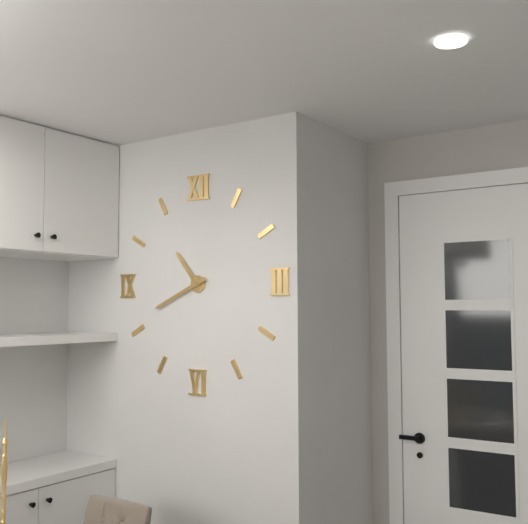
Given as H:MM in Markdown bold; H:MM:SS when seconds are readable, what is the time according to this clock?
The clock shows **10:41**
